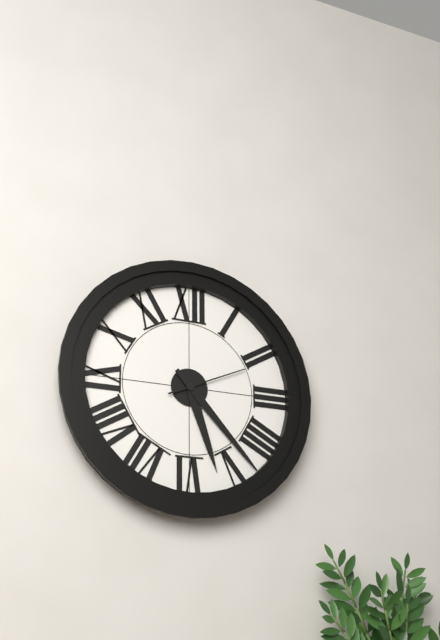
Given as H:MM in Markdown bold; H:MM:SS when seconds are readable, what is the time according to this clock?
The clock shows **5:23:11**
